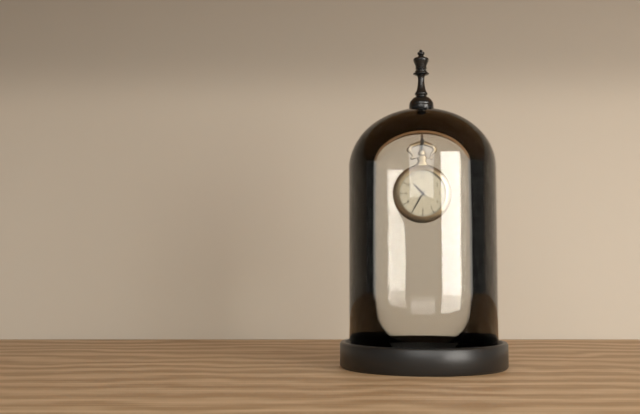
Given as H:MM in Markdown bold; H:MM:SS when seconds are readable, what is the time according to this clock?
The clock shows **10:35**
